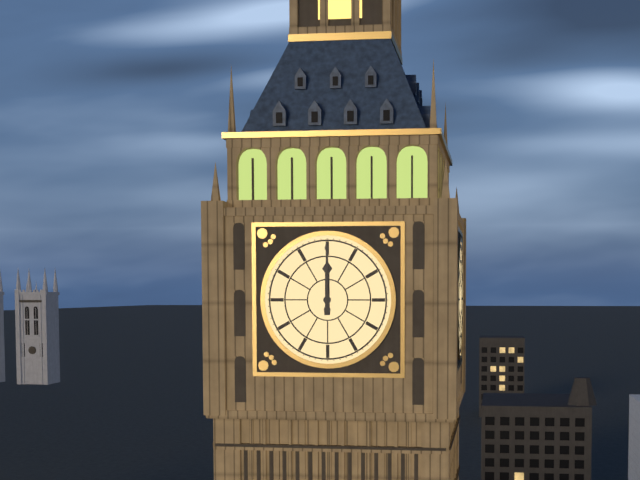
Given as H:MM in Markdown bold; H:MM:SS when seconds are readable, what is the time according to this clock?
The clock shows **12:00**
